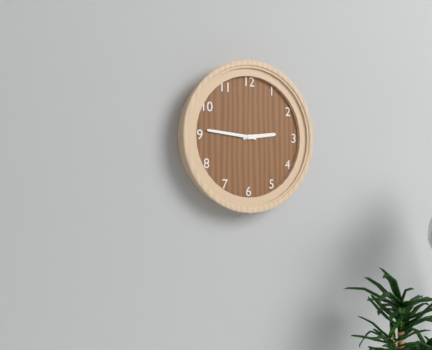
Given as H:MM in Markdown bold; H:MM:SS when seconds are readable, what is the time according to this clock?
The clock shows **2:46**
